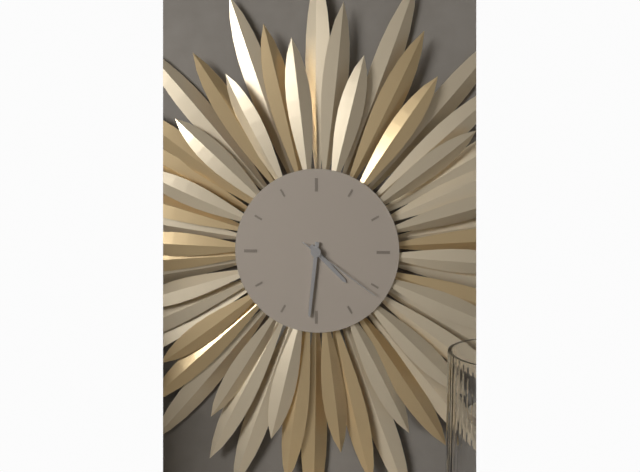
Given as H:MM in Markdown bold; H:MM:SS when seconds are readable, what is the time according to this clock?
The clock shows **4:31:21**
